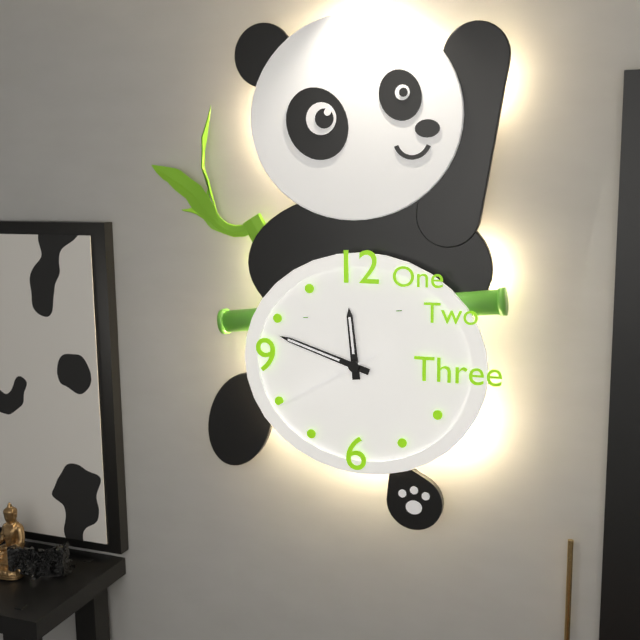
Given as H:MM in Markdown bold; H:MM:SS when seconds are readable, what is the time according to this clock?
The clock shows **11:48:40**
